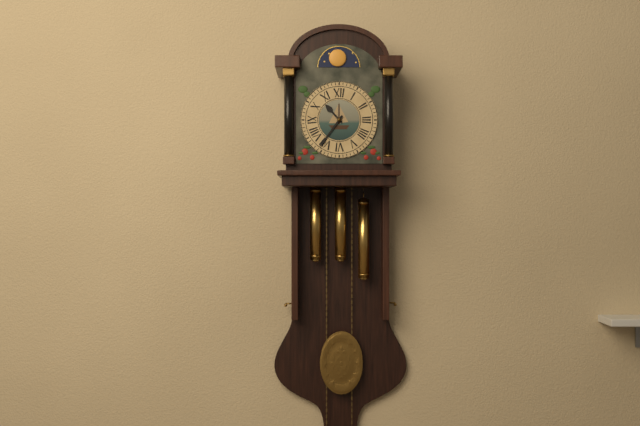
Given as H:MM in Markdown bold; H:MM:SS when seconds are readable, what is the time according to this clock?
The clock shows **10:36**
